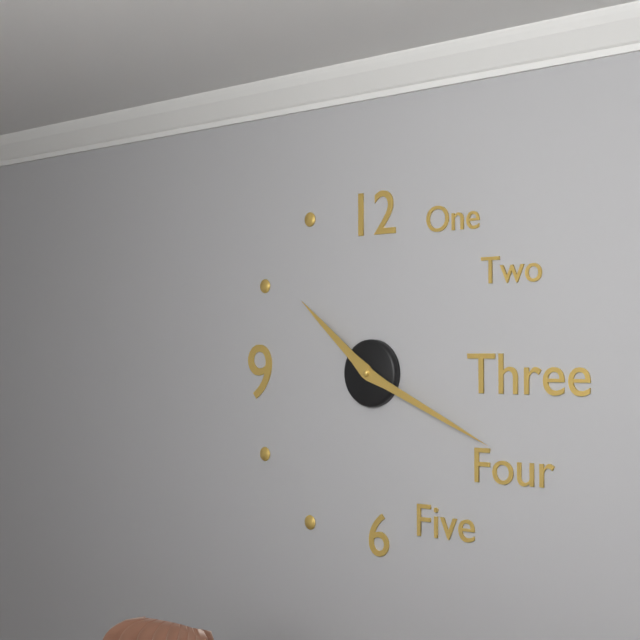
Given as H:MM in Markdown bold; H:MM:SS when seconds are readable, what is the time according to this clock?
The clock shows **10:19**
